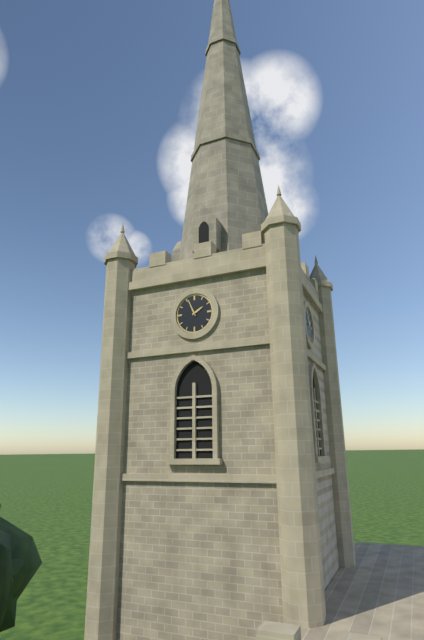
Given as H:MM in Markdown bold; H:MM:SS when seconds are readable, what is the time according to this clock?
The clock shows **1:56**
